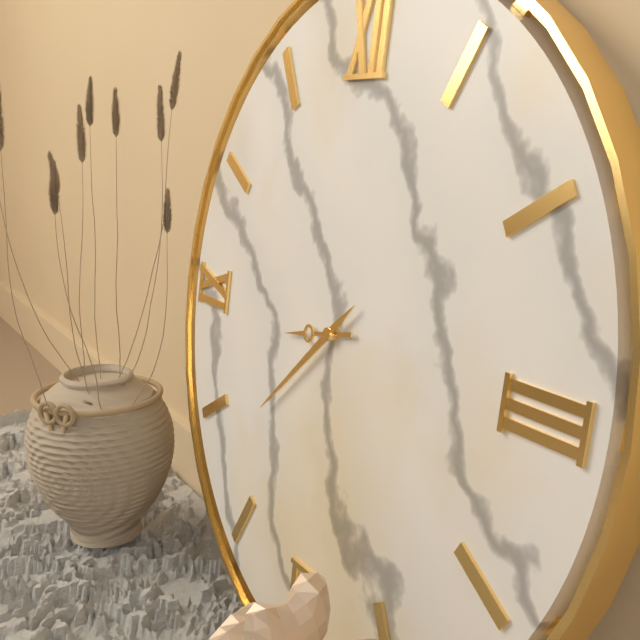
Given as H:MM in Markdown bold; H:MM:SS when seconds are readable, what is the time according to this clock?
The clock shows **8:38**
